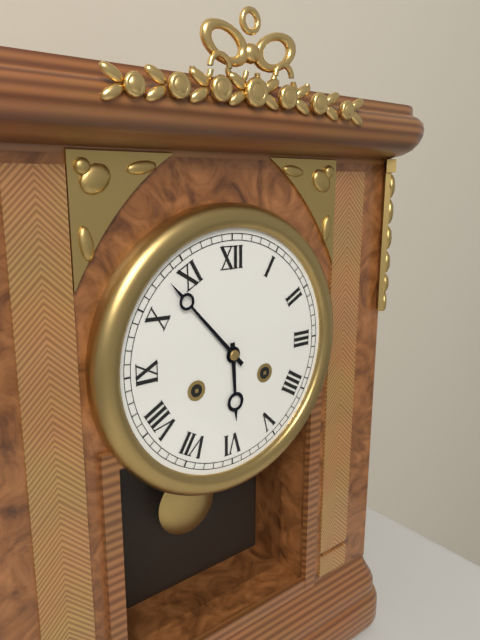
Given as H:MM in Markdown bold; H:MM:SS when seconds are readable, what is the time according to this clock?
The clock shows **5:53**
